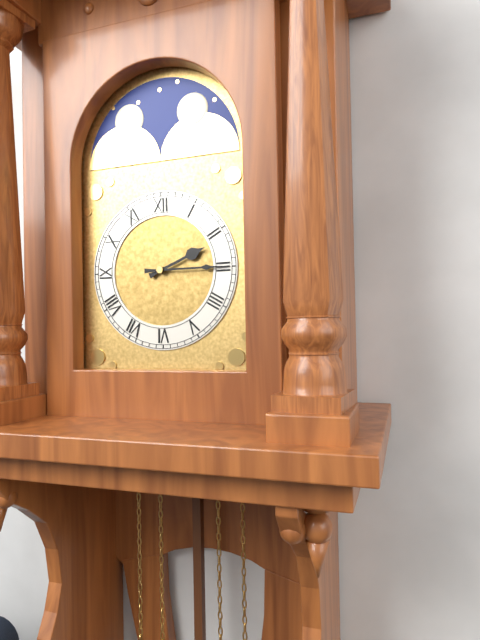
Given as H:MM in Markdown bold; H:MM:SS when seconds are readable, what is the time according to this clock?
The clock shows **2:15**
